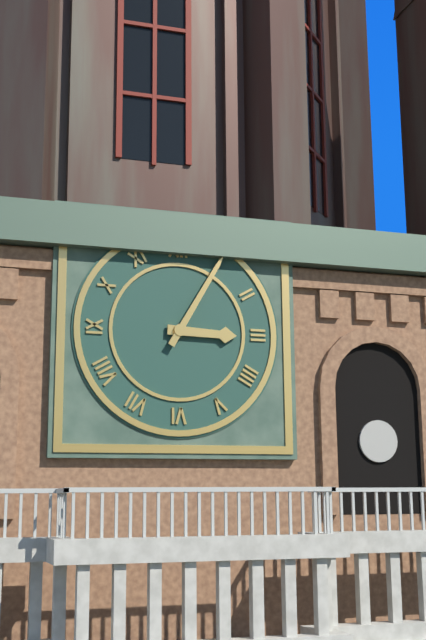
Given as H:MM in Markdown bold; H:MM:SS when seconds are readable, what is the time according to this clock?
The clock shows **3:05**
